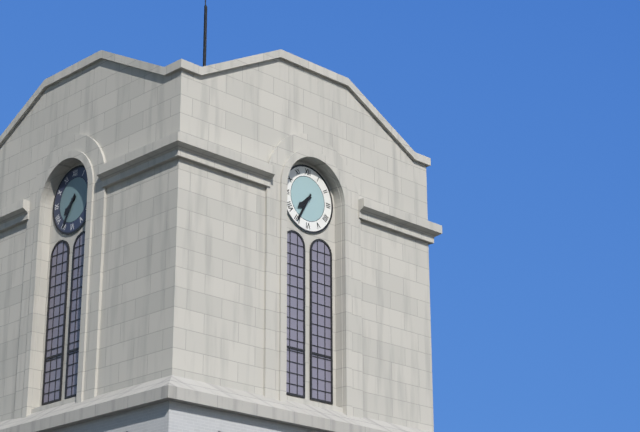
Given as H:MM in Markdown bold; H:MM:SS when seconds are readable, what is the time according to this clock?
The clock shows **7:35**
